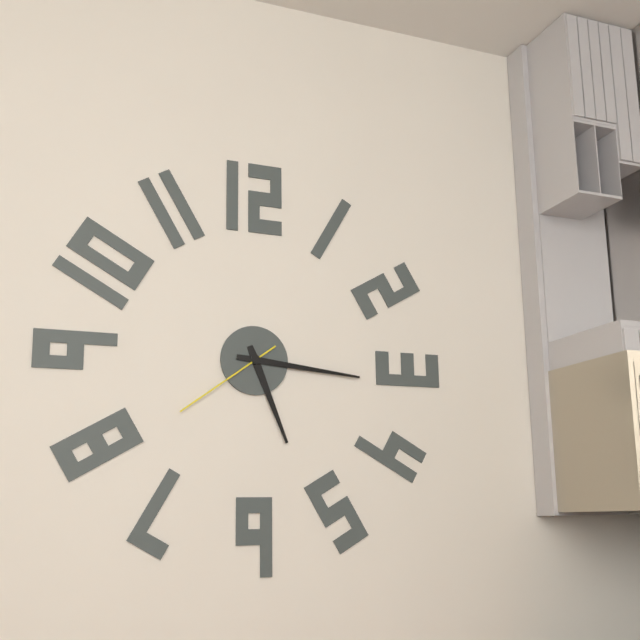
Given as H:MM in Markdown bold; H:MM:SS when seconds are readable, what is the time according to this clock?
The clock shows **5:16:39**
